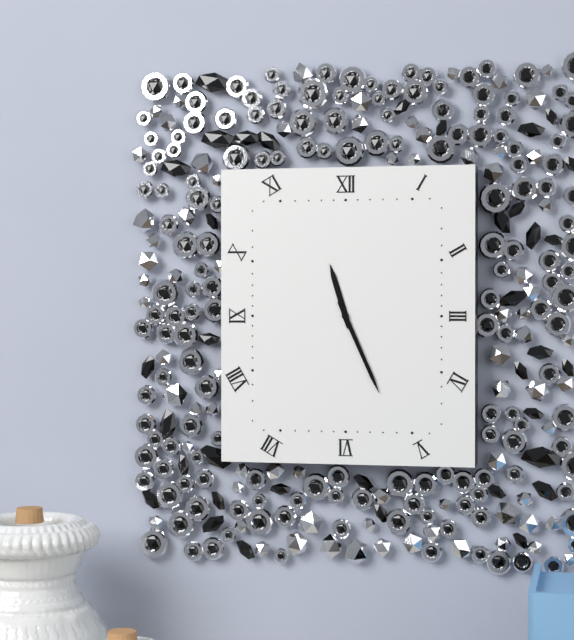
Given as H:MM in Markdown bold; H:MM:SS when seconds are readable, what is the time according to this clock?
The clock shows **11:26**
